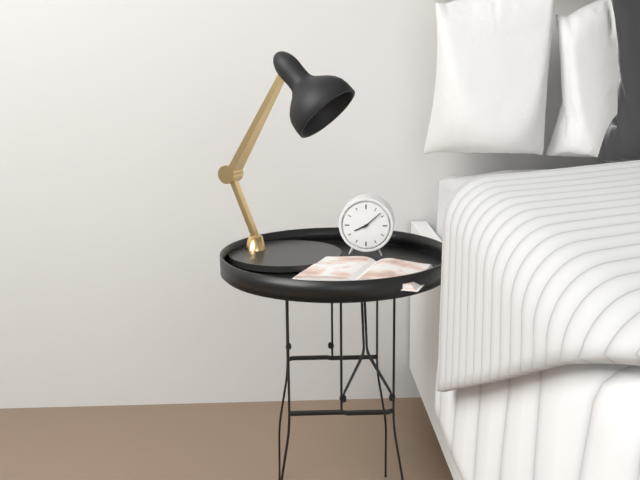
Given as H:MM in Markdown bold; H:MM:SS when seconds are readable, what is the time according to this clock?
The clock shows **8:08**
